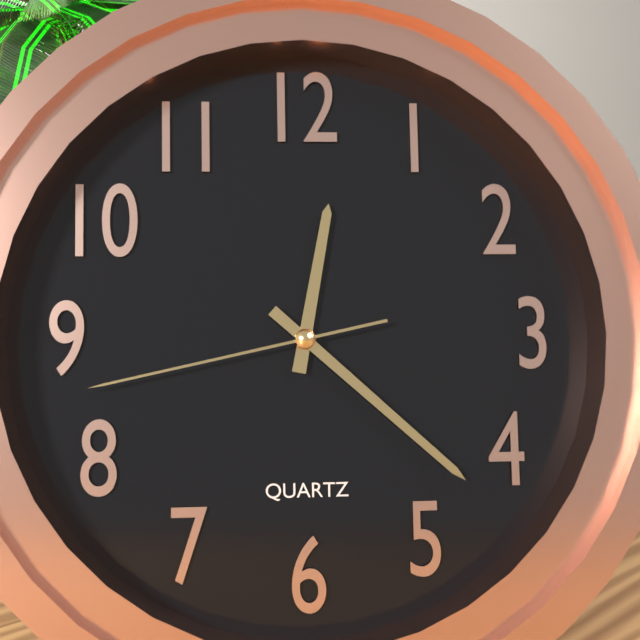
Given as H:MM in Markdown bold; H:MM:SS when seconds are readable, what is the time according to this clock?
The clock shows **12:22:43**
